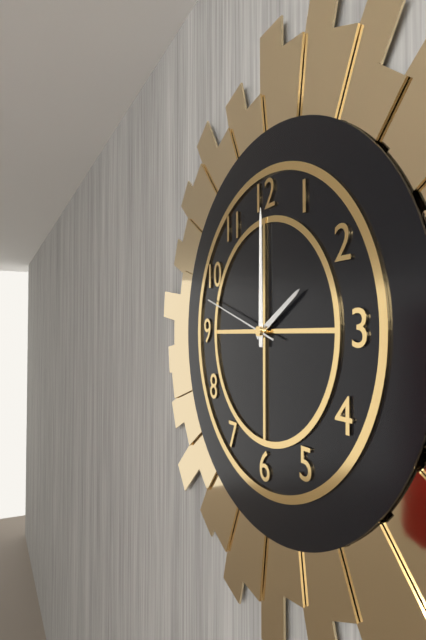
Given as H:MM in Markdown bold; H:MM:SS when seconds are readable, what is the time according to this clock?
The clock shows **2:00:48**
